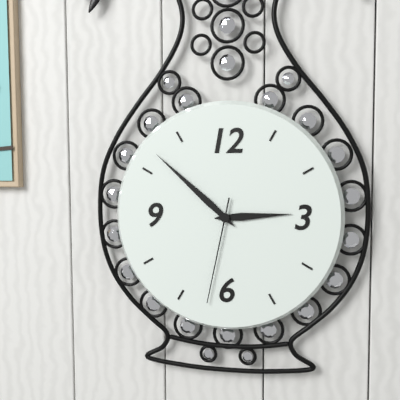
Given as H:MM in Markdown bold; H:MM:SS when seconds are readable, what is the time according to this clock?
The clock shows **2:52:32**
